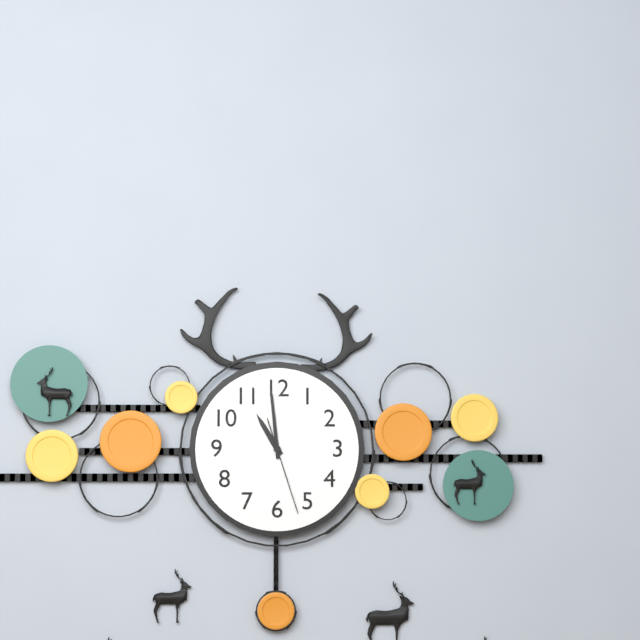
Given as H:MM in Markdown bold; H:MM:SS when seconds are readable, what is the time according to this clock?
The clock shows **10:59:27**
